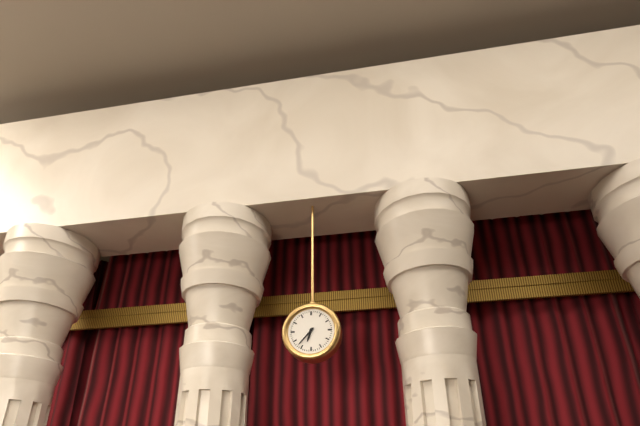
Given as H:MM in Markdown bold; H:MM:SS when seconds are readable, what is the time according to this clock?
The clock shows **6:37**
